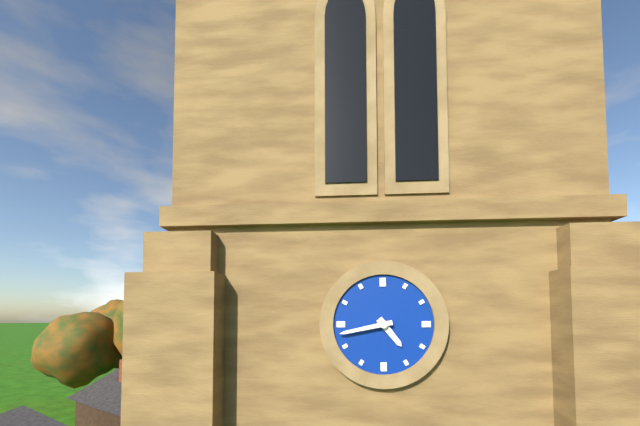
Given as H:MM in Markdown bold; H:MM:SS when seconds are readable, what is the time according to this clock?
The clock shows **4:43**
